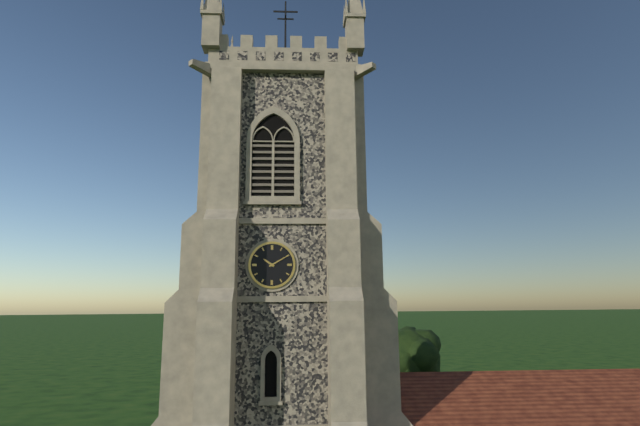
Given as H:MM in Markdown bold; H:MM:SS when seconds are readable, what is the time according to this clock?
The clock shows **10:10**
